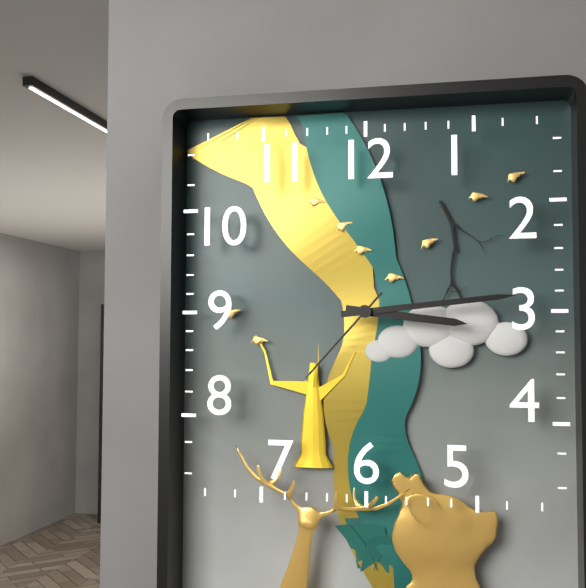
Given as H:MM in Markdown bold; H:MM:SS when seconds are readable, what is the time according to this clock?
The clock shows **3:14:37**
